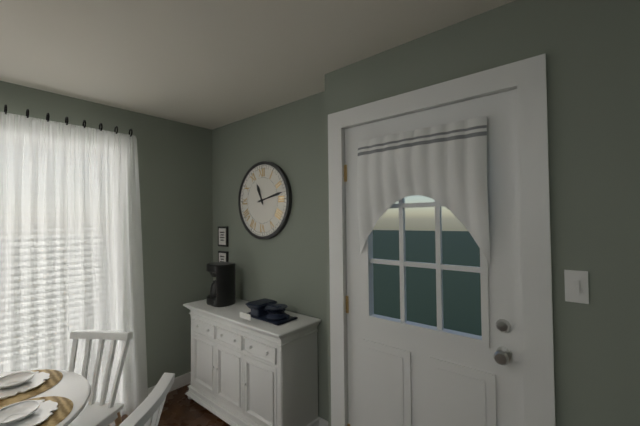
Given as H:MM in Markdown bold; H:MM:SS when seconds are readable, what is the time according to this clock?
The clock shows **11:13**
